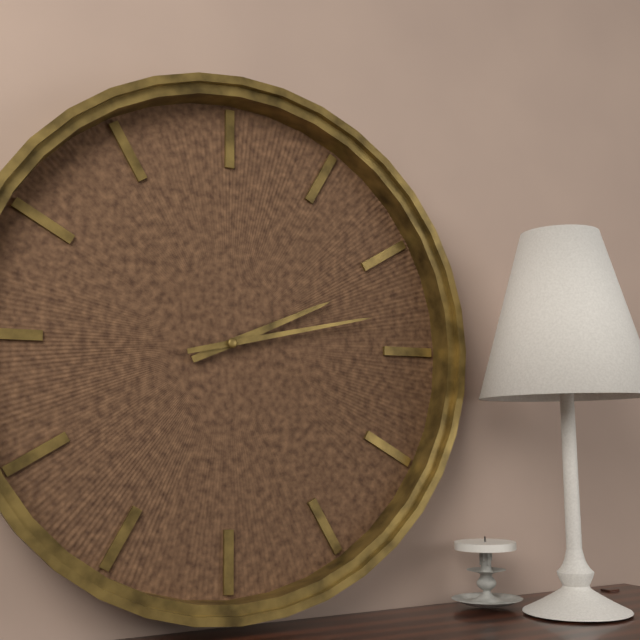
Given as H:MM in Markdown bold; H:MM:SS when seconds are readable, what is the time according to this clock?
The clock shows **2:13**
